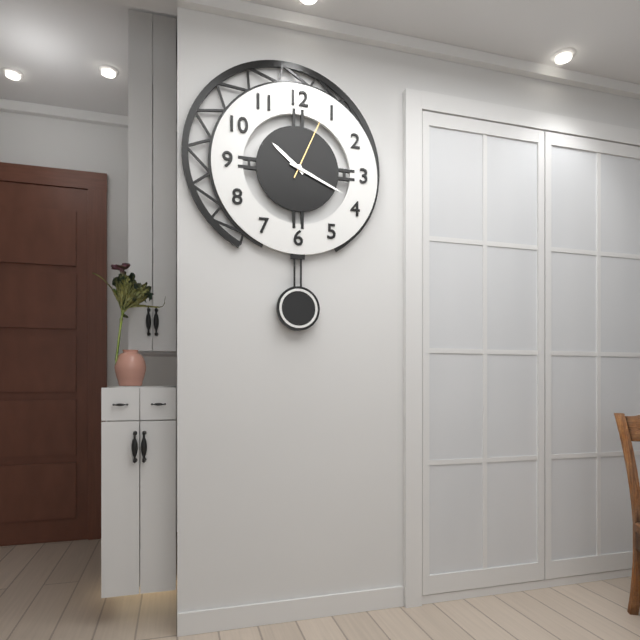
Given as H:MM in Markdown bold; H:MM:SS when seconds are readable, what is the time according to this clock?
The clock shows **10:19:04**
